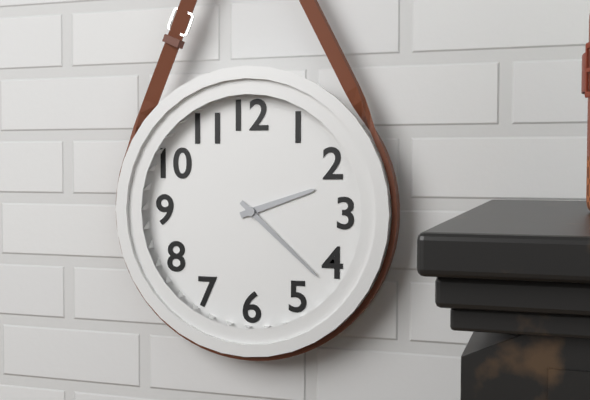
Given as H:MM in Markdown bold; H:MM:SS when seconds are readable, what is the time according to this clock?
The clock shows **2:22**
